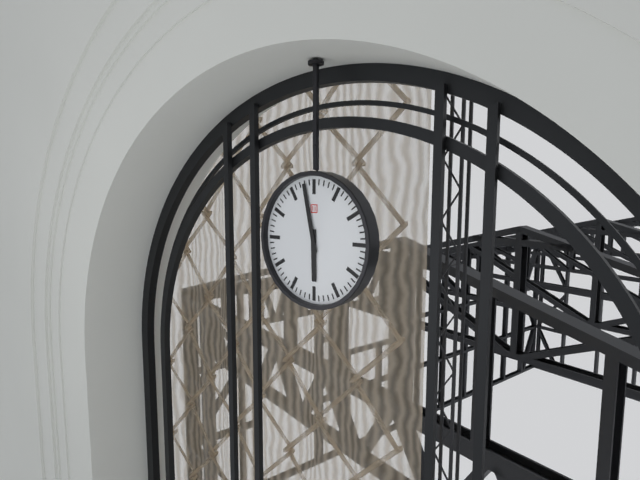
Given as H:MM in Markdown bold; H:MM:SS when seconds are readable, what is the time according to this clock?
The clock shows **5:58**
